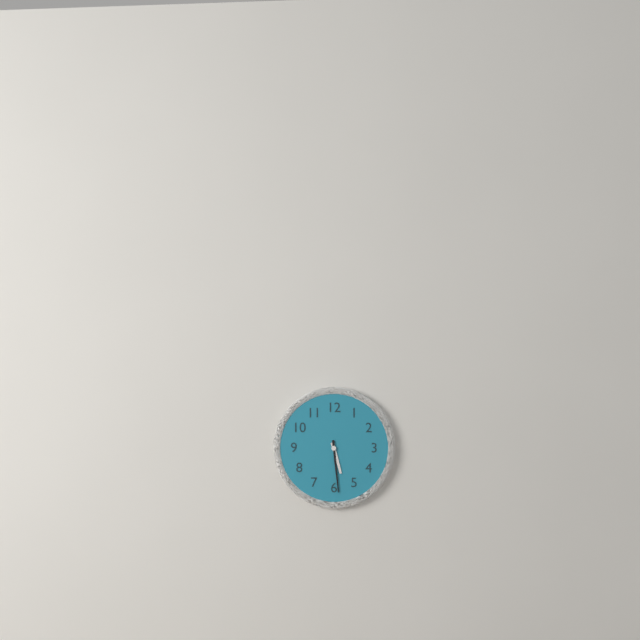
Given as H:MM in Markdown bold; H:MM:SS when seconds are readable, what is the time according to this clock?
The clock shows **5:29**
